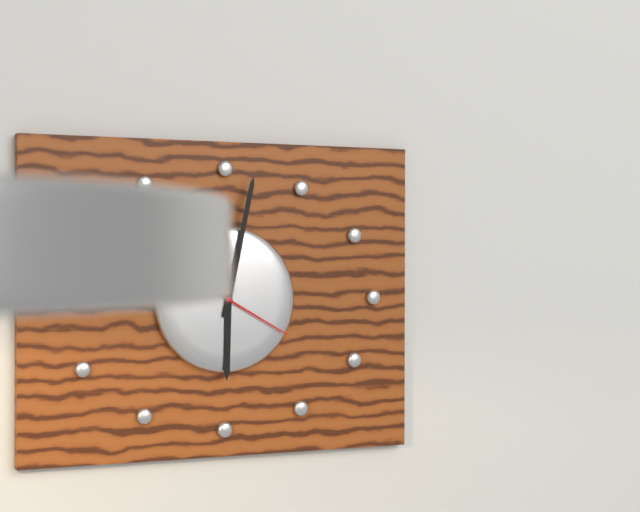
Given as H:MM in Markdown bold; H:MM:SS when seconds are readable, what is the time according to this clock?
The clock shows **6:02:20**
